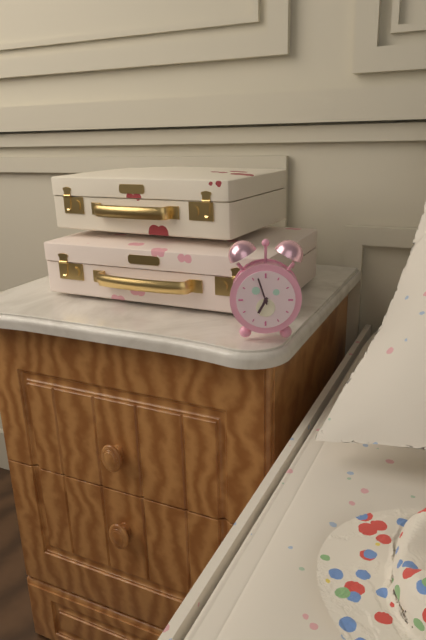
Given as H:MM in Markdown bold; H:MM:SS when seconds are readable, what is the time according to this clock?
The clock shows **6:57**
